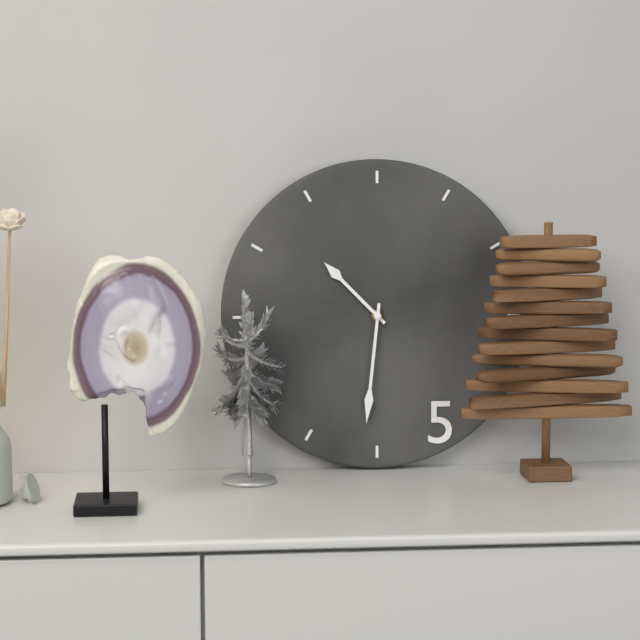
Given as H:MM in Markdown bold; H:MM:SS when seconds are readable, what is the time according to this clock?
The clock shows **10:31**
